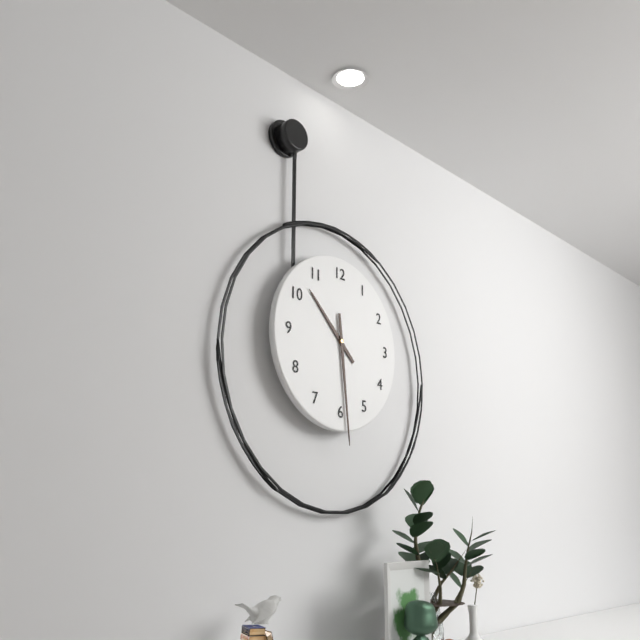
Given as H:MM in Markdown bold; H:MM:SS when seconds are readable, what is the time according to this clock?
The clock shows **10:29**
